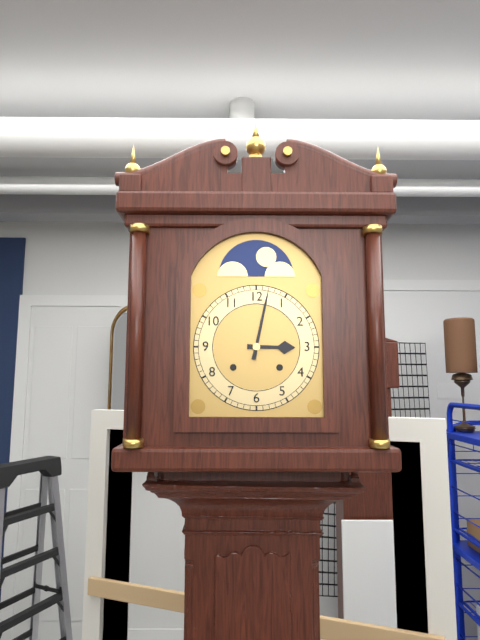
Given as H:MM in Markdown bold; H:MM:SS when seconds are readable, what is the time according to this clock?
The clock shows **3:02**
